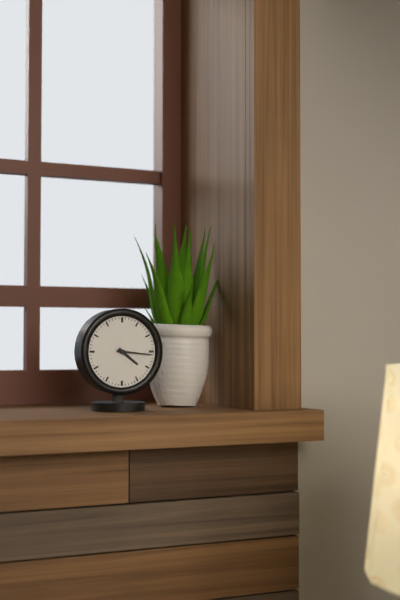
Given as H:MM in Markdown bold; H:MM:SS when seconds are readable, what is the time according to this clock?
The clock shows **4:16**
